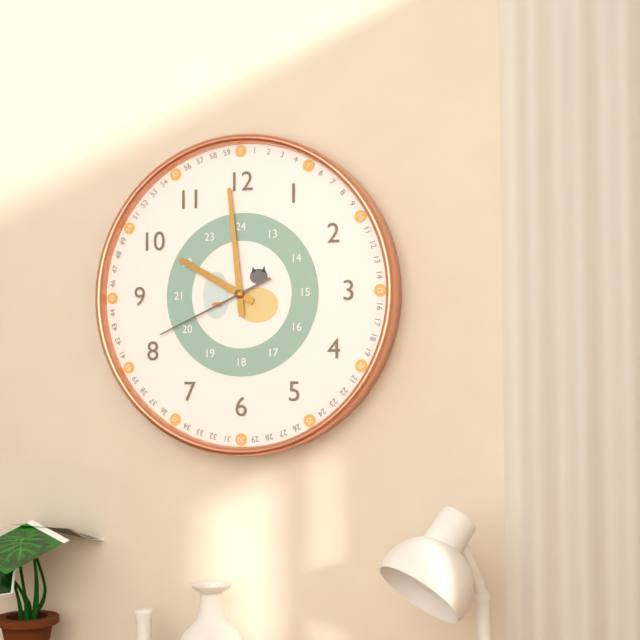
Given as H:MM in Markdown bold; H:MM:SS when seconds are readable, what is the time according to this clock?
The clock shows **9:59:41**
